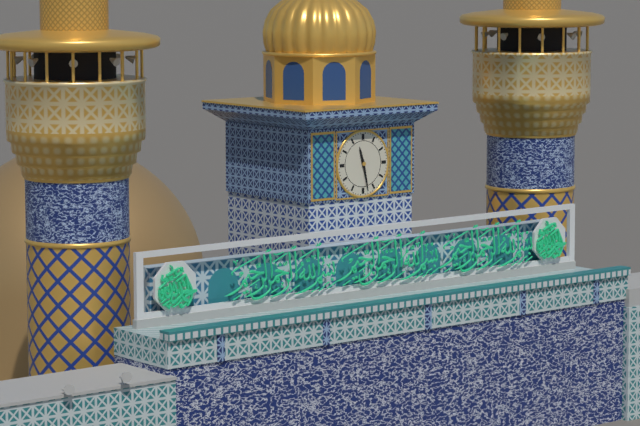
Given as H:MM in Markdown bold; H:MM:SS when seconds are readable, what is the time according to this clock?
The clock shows **11:28**
